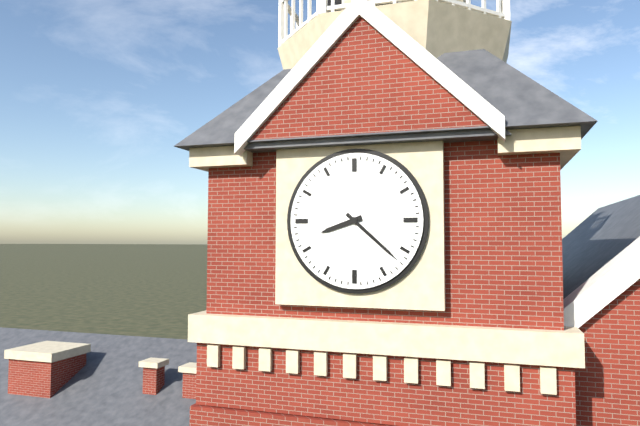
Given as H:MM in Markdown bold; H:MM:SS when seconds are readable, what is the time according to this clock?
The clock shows **8:22**
